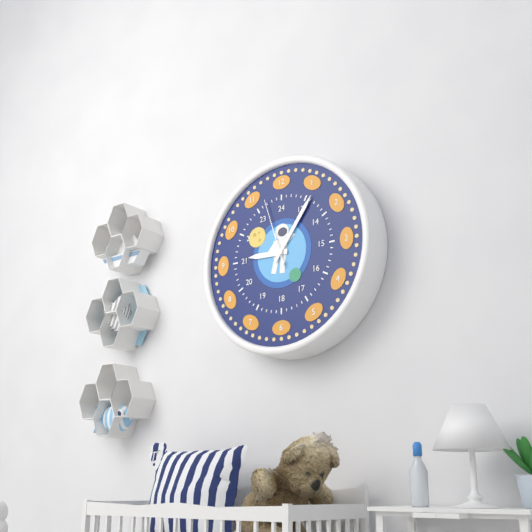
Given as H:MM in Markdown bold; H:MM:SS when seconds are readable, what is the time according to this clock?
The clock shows **9:06:57**
